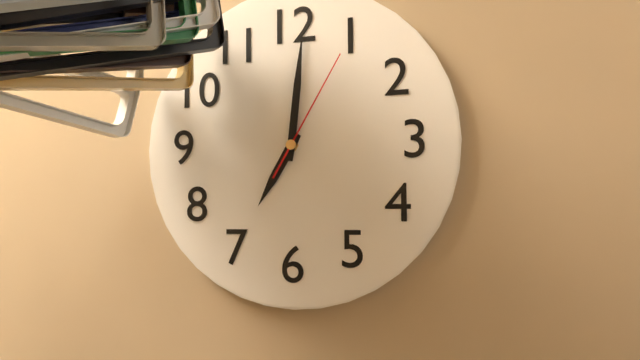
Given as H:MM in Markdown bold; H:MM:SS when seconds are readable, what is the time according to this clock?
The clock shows **7:01:05**
